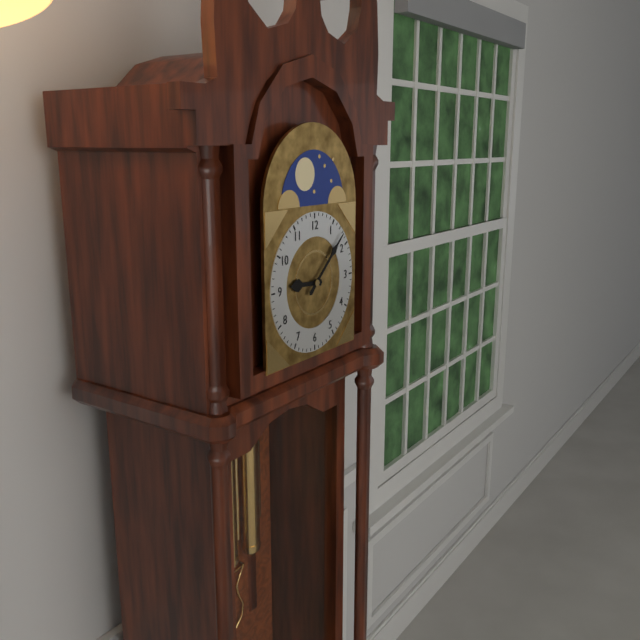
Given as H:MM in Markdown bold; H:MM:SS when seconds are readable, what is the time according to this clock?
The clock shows **9:08**
